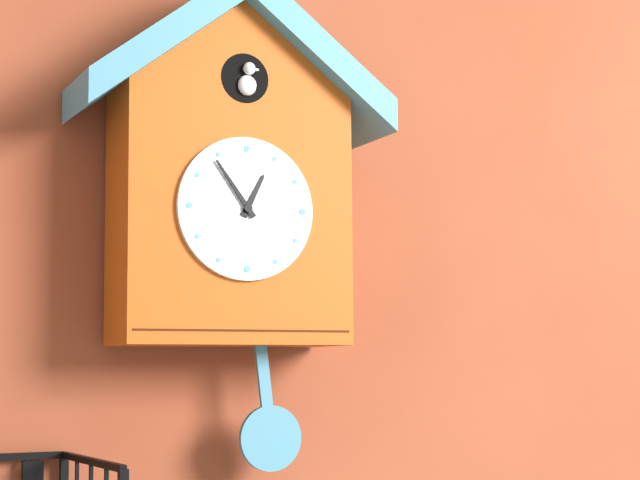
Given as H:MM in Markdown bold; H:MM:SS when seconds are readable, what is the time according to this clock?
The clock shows **12:54**
